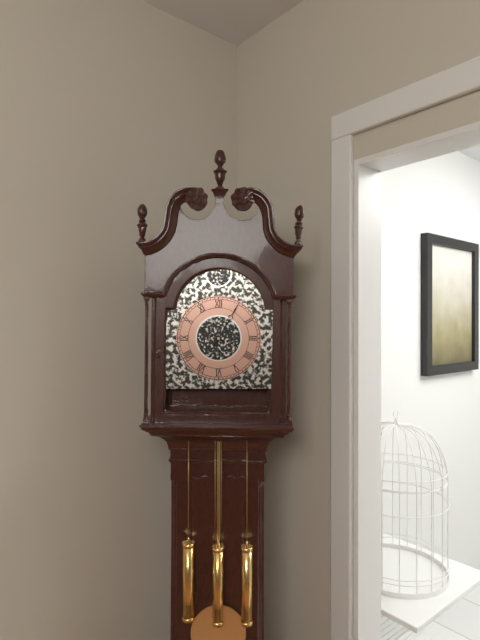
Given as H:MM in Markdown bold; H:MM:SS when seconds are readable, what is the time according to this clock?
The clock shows **10:05**
